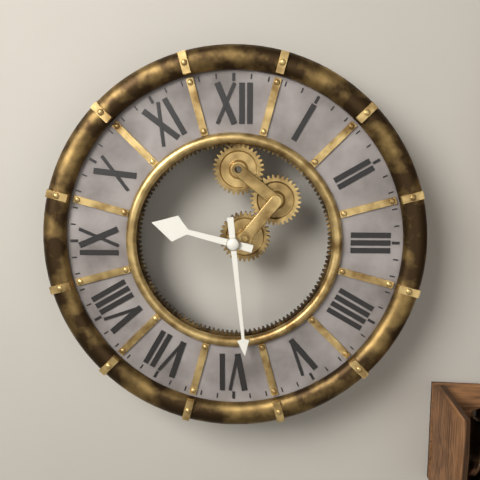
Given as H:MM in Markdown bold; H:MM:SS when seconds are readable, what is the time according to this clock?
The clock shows **9:29**
